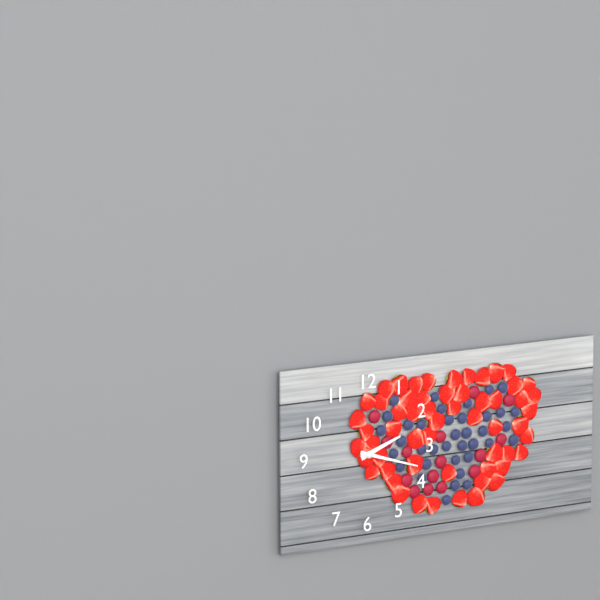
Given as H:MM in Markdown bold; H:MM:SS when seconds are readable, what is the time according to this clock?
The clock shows **2:18**
